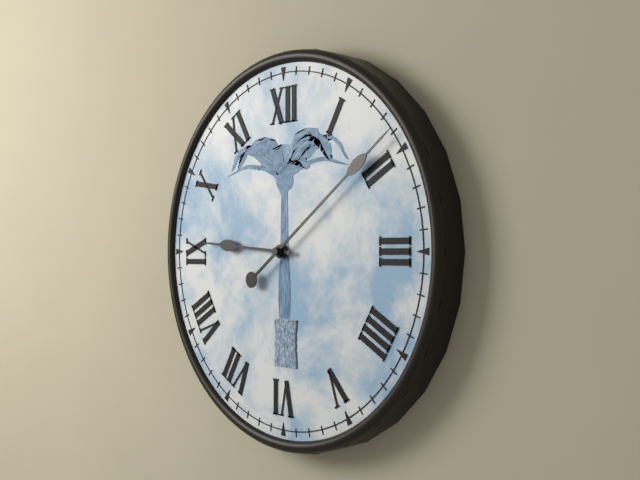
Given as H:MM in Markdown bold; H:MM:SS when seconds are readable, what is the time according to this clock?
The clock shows **9:09**
